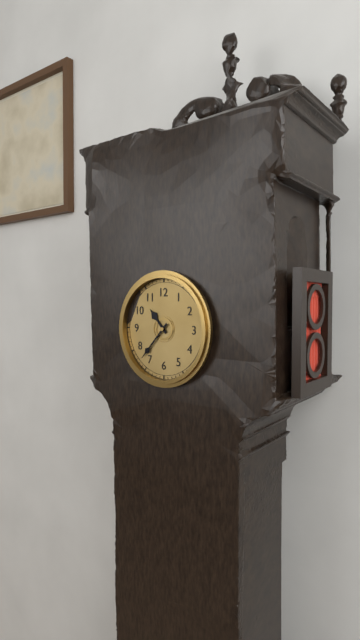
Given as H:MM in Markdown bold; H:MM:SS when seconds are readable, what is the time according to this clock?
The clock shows **10:37**
